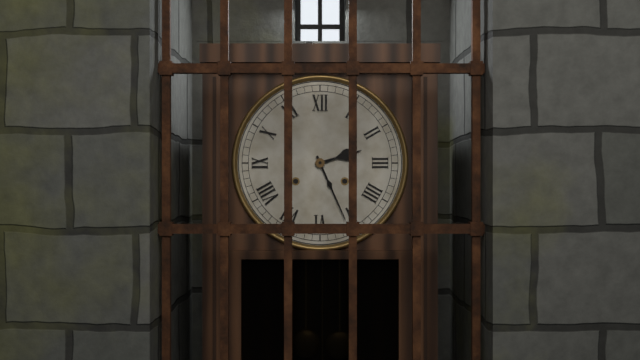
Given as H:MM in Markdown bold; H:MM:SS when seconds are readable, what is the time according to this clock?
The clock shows **2:26**
